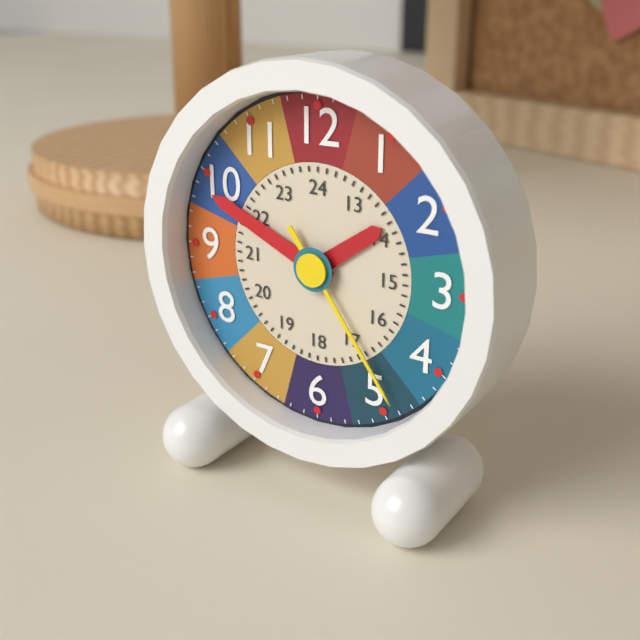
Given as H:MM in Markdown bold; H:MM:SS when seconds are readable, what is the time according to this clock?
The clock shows **1:49:24**
